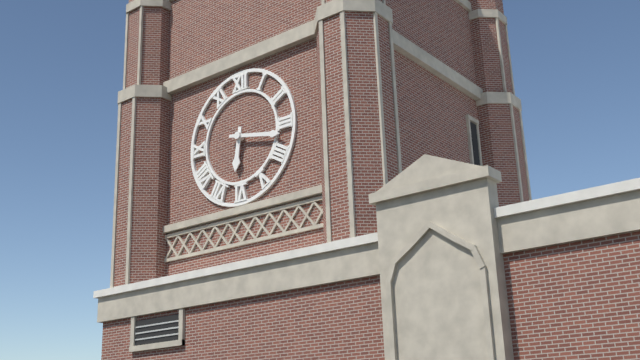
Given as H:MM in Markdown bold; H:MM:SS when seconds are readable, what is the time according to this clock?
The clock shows **6:17**
